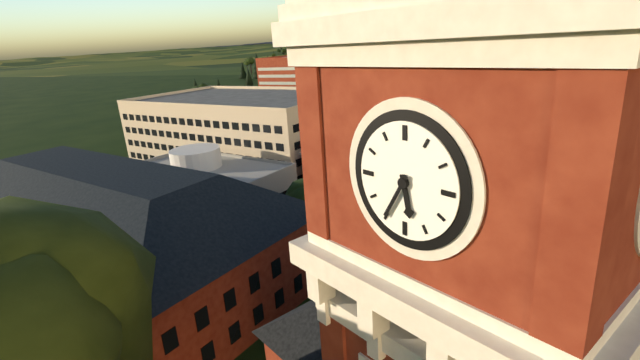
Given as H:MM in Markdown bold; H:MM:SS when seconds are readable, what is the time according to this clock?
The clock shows **5:35**
